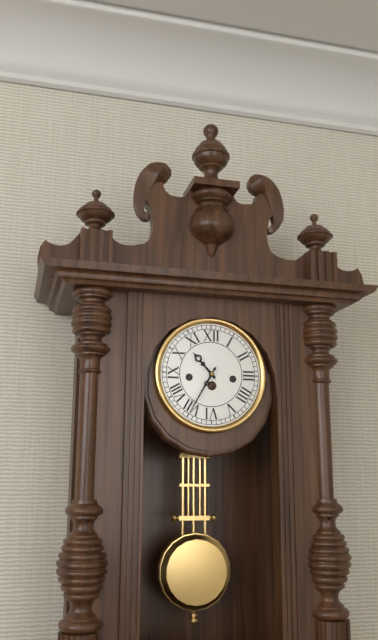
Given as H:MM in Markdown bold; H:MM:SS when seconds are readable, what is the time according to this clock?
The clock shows **10:35**
